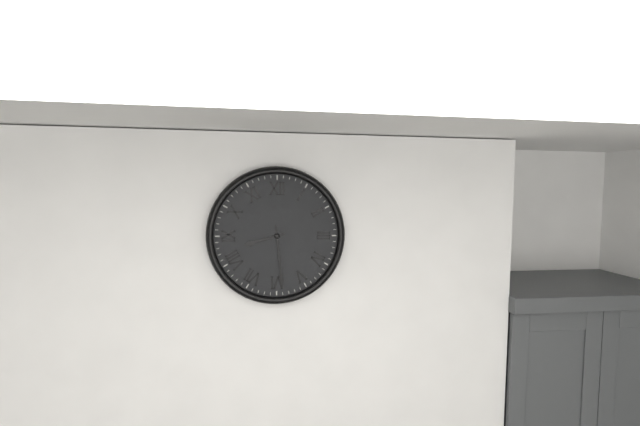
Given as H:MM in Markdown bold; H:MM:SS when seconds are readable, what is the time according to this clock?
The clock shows **8:29**
